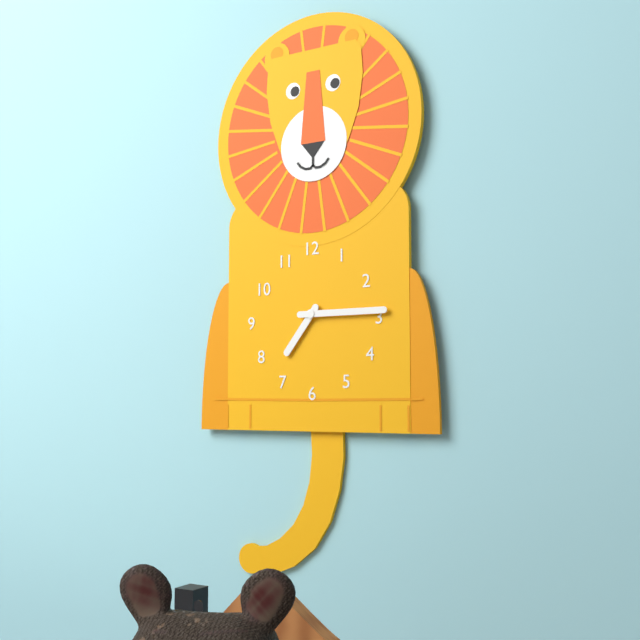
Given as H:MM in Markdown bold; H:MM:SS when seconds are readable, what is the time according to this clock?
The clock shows **7:15**
